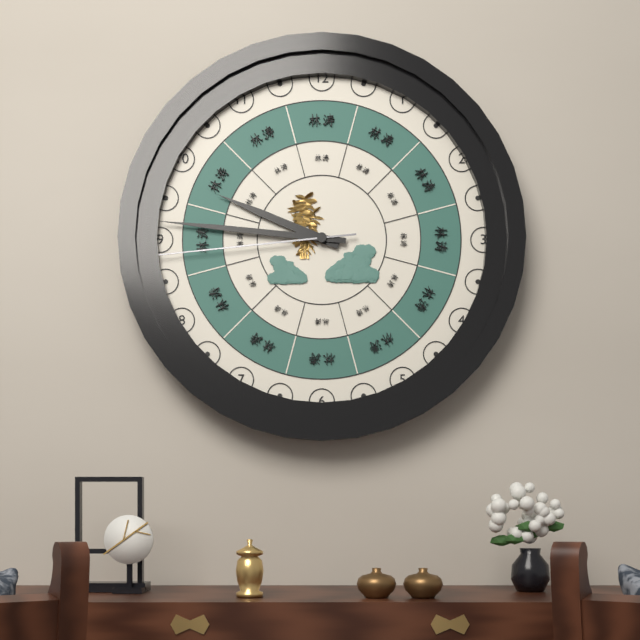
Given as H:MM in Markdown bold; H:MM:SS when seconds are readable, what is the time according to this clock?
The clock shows **9:46:44**
